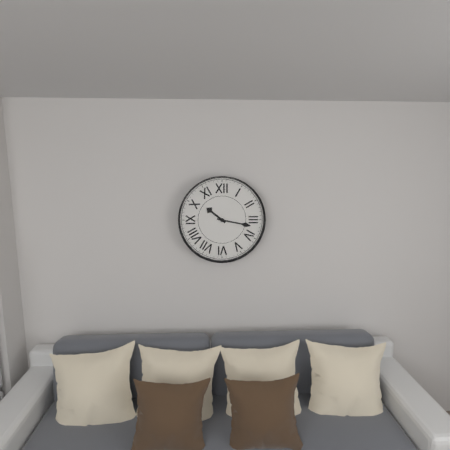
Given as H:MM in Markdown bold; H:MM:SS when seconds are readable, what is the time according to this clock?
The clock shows **10:17**
